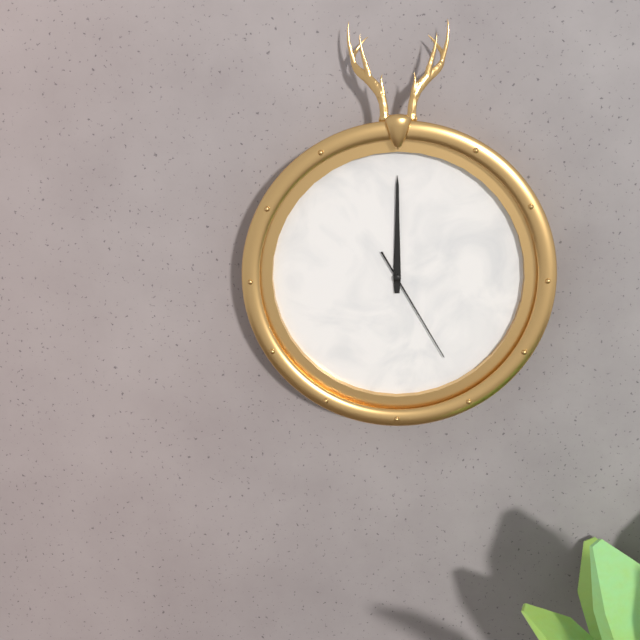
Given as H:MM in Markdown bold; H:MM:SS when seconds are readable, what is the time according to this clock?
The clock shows **12:00:25**
